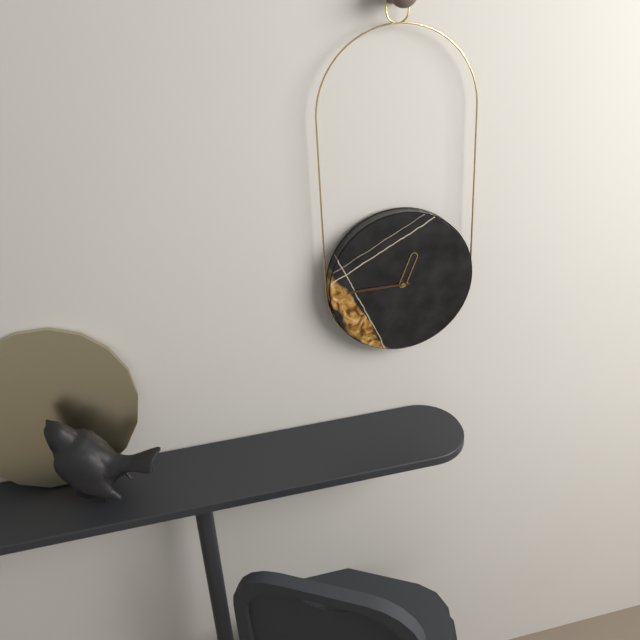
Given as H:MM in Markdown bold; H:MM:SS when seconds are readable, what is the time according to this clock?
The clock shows **12:45**
